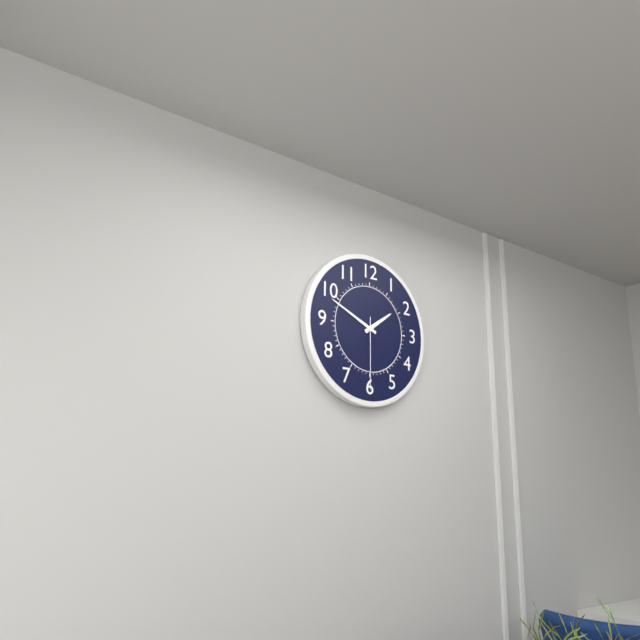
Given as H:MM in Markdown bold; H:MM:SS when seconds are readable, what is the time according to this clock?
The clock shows **1:49:30**
